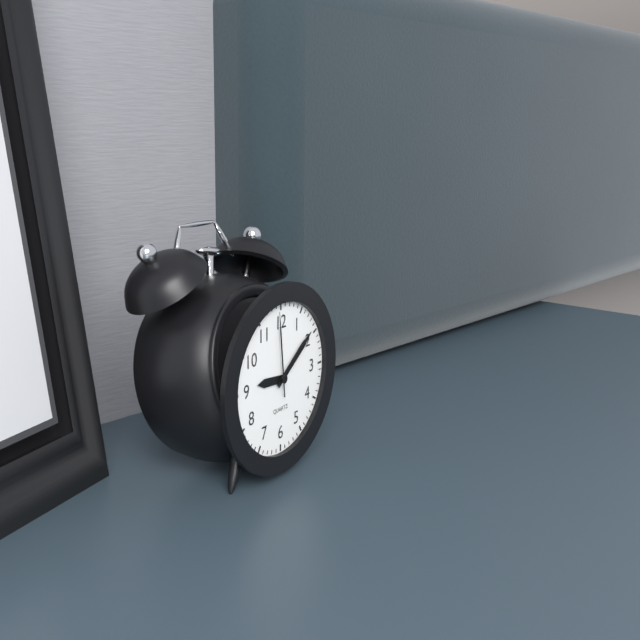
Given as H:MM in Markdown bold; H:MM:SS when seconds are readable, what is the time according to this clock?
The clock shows **9:09:59**
